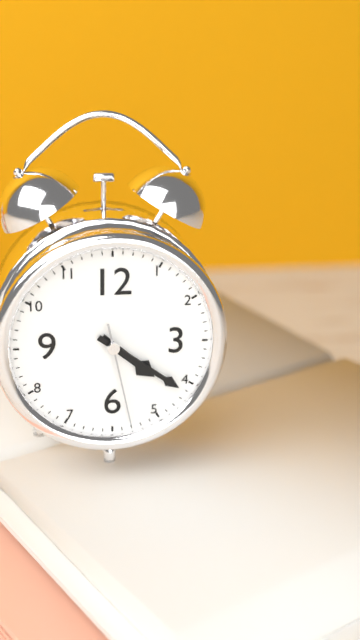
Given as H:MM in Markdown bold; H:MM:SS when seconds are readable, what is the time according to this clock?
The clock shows **4:21:28**
